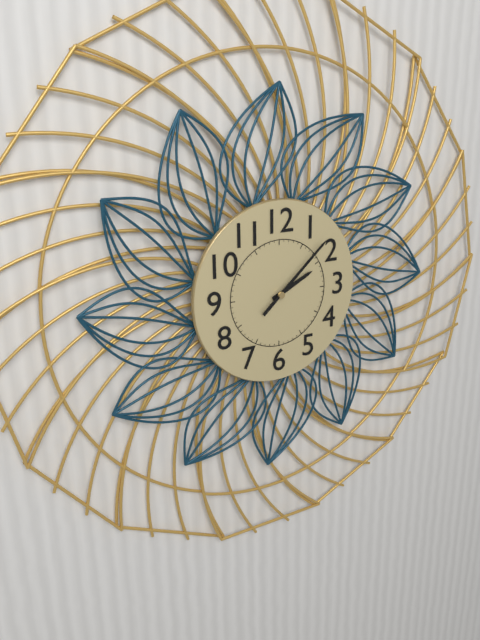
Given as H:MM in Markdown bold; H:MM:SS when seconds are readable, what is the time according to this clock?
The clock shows **2:08**
